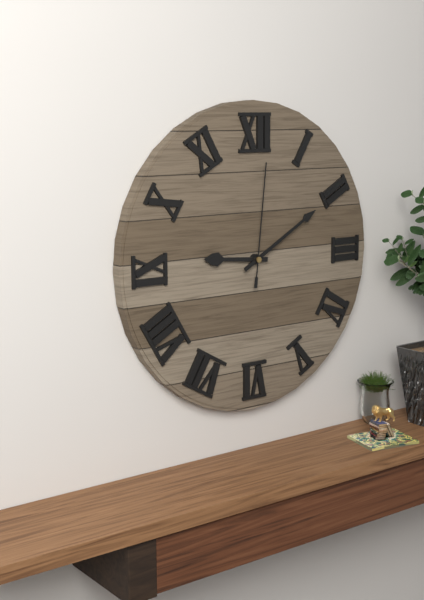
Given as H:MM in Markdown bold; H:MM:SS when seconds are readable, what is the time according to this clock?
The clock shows **9:10:01**
